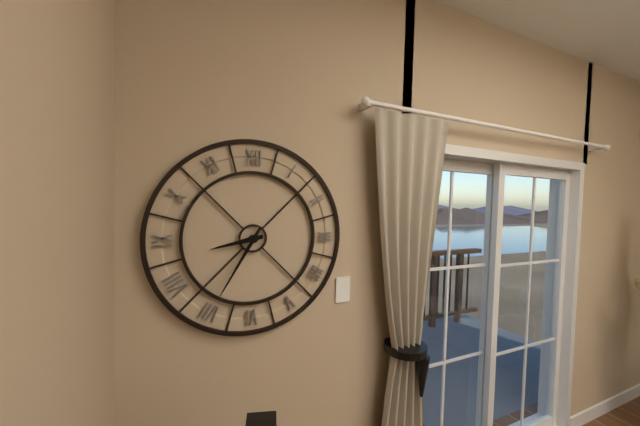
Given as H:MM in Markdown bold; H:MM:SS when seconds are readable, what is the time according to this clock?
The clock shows **8:35**
